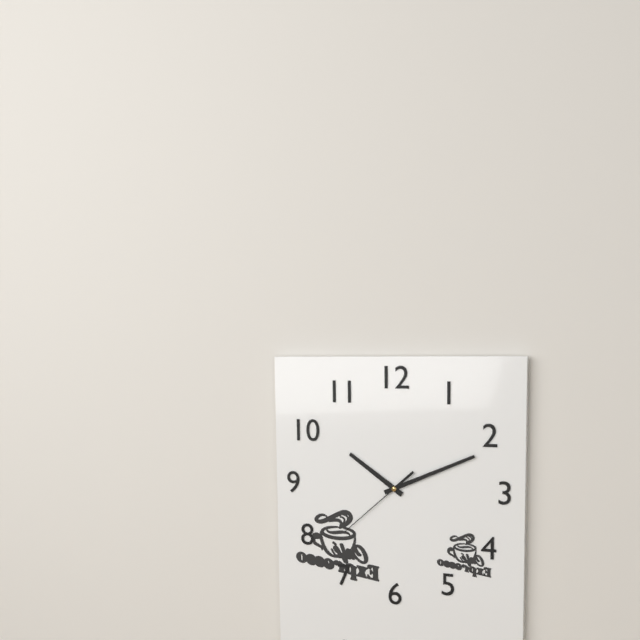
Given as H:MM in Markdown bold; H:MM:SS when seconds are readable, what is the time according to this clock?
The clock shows **10:11:38**
